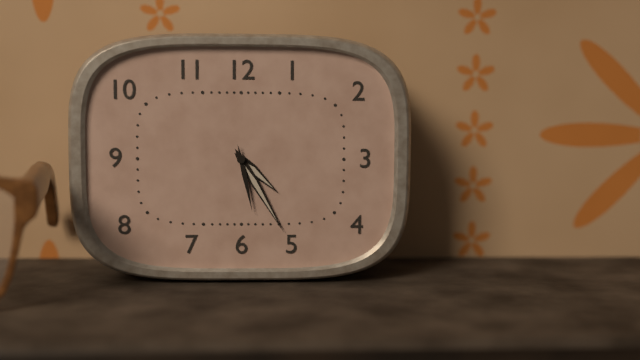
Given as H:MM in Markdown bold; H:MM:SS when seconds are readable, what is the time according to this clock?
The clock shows **4:25:28**
